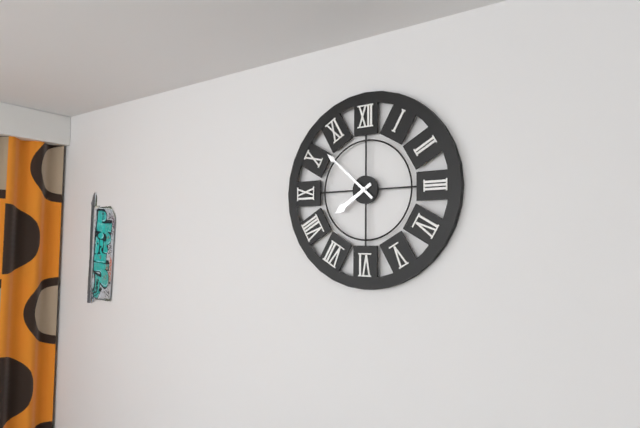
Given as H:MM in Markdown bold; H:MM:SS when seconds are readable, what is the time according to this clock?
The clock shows **7:52**
